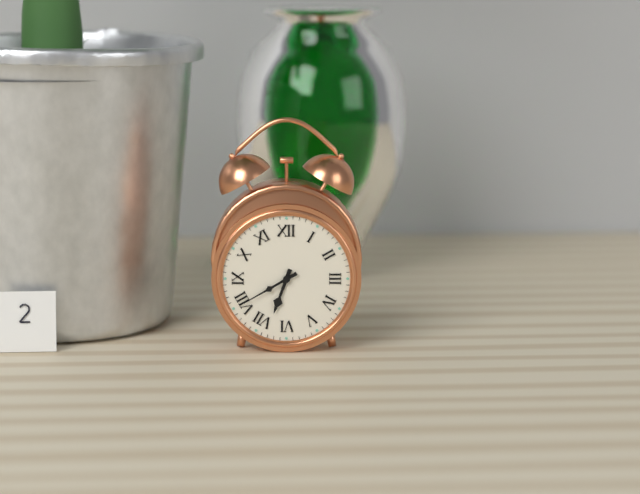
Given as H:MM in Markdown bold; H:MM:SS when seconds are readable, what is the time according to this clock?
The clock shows **6:40**
